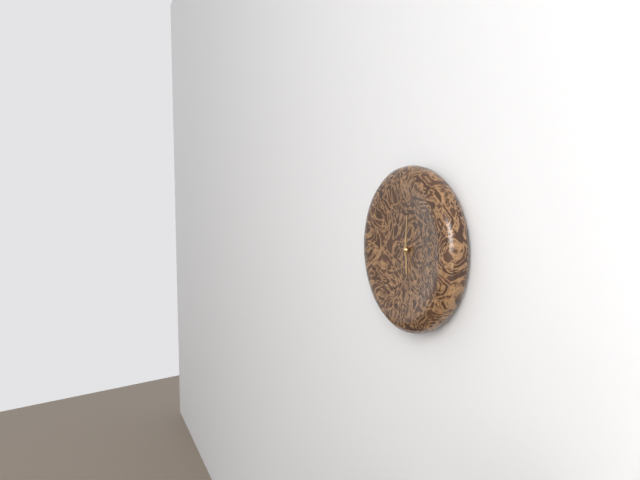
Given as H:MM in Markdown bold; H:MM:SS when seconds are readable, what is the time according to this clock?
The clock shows **6:01**
